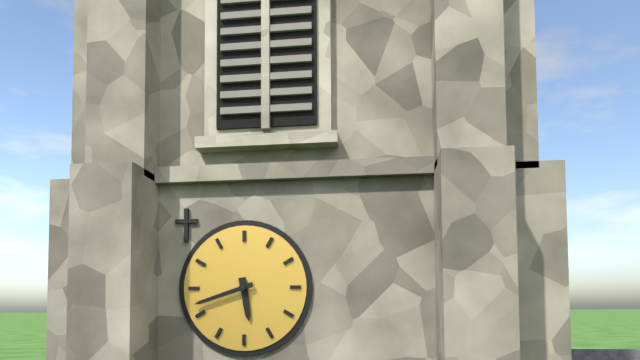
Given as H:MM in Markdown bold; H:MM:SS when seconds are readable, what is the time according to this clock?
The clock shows **5:42**
